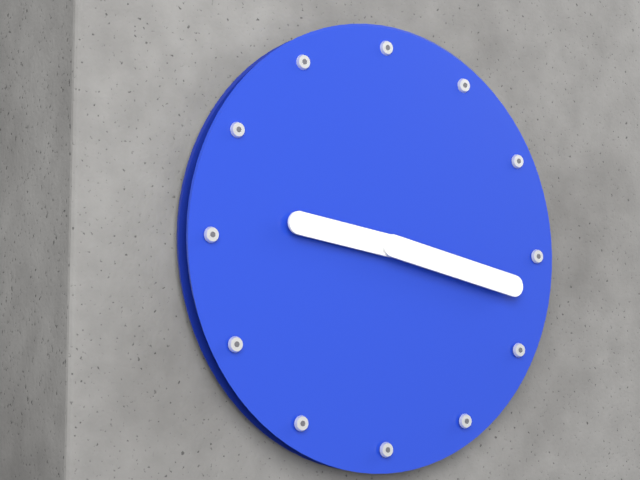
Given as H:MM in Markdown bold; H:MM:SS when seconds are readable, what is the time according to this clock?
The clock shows **9:17**
